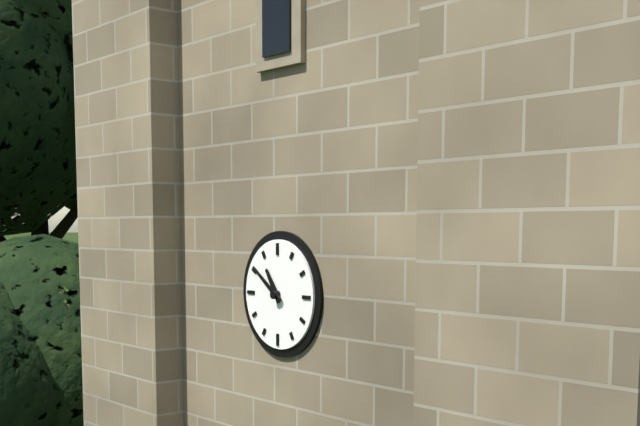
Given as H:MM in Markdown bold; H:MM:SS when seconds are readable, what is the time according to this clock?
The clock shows **10:51**
